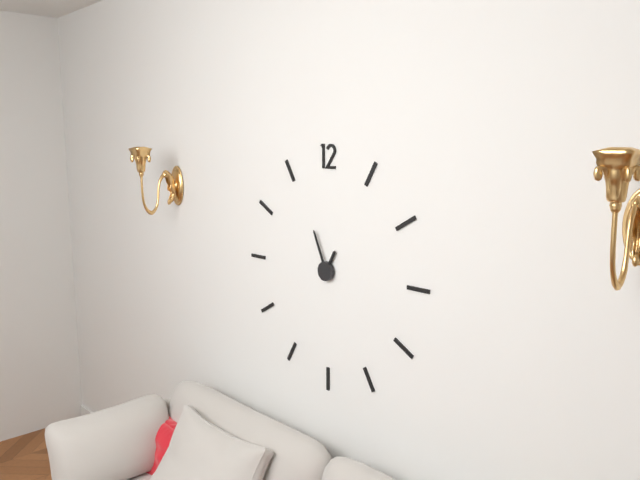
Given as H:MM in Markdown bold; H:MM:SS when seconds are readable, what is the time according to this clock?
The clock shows **12:56**
